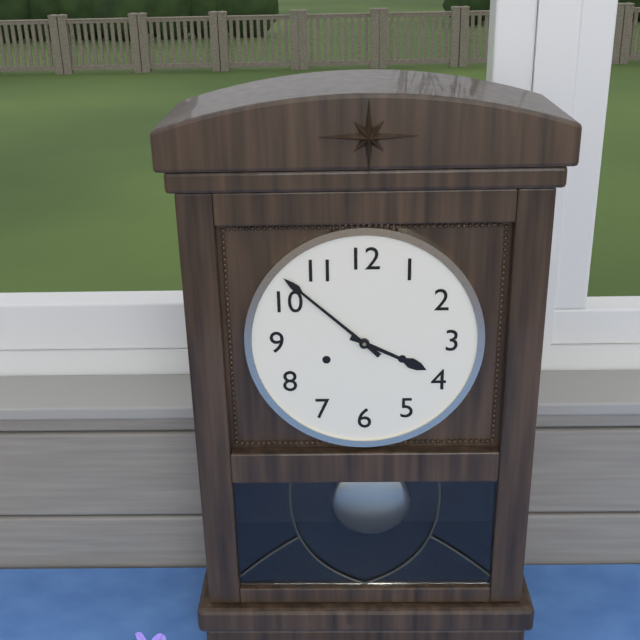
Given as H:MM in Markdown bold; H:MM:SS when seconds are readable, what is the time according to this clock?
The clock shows **3:52**
